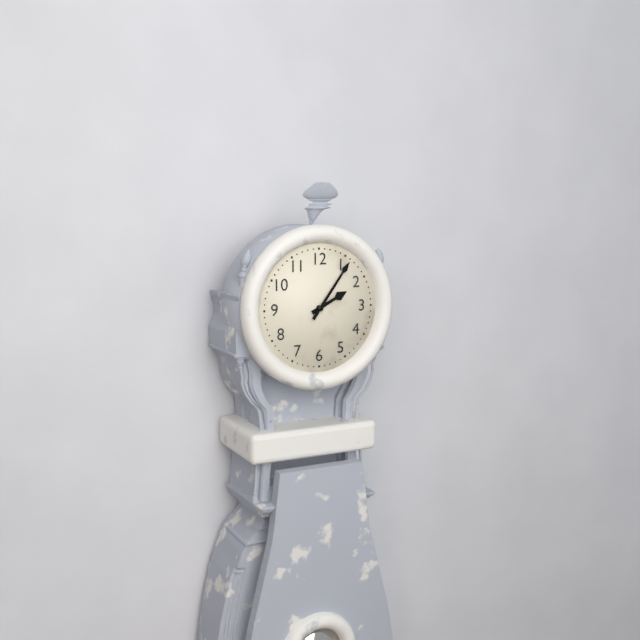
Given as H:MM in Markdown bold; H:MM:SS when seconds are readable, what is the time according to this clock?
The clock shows **2:06**
